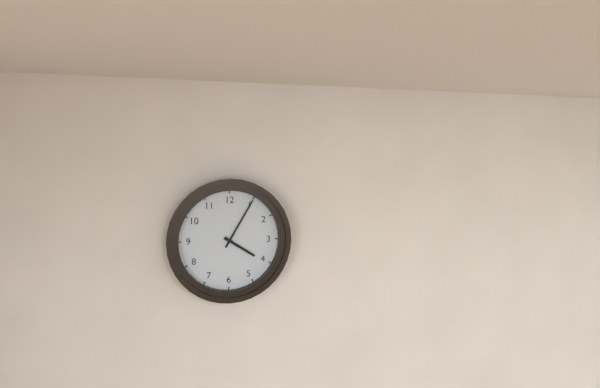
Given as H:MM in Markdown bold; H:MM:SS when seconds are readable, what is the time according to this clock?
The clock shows **4:05**
